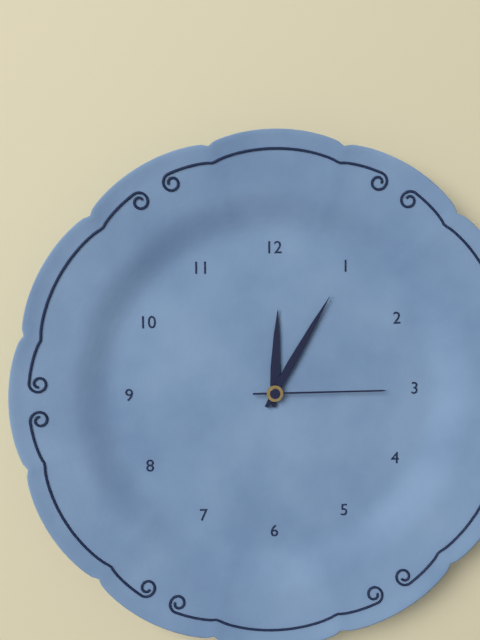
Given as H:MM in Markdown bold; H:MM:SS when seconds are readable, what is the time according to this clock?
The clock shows **12:05:15**
